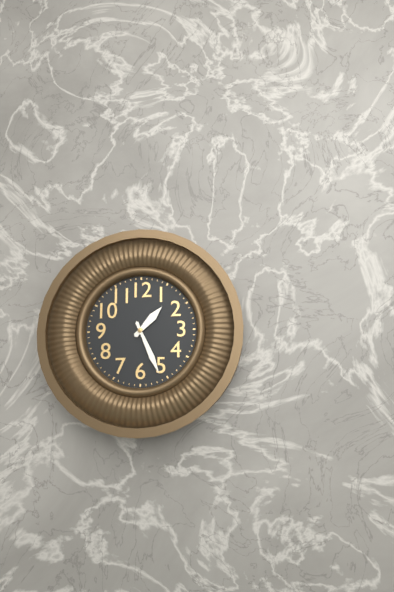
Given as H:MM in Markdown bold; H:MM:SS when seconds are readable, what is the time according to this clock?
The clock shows **1:26**
